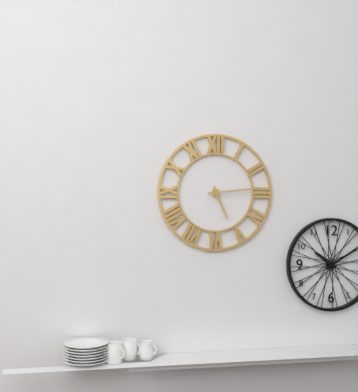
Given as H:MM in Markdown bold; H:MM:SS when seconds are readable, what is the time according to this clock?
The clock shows **5:14**
